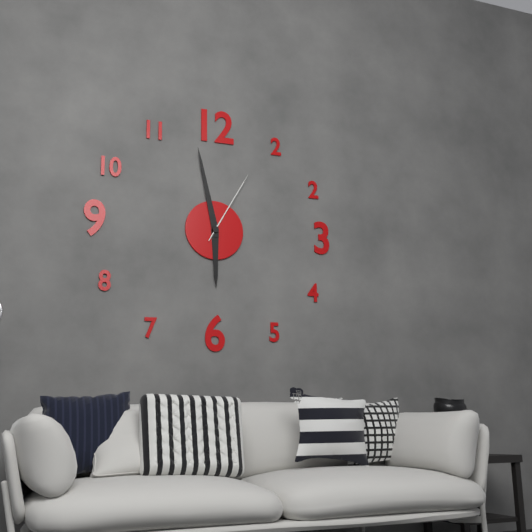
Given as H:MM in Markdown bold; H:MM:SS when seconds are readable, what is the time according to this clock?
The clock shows **5:58:05**
